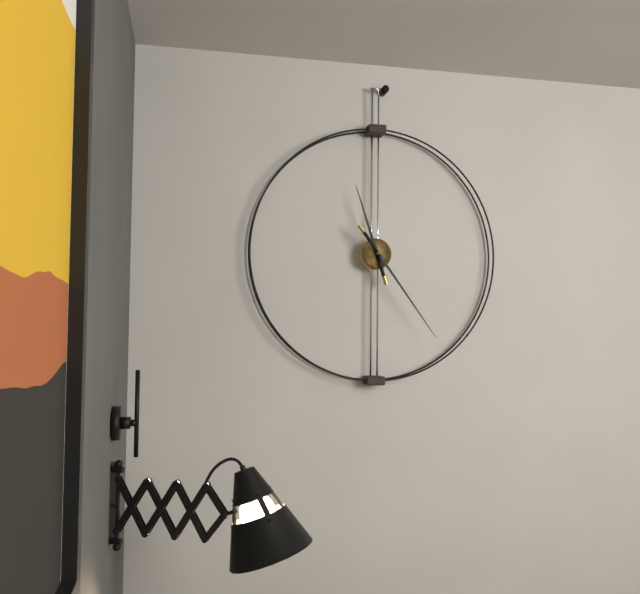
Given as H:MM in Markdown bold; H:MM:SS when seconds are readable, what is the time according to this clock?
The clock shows **11:24**
